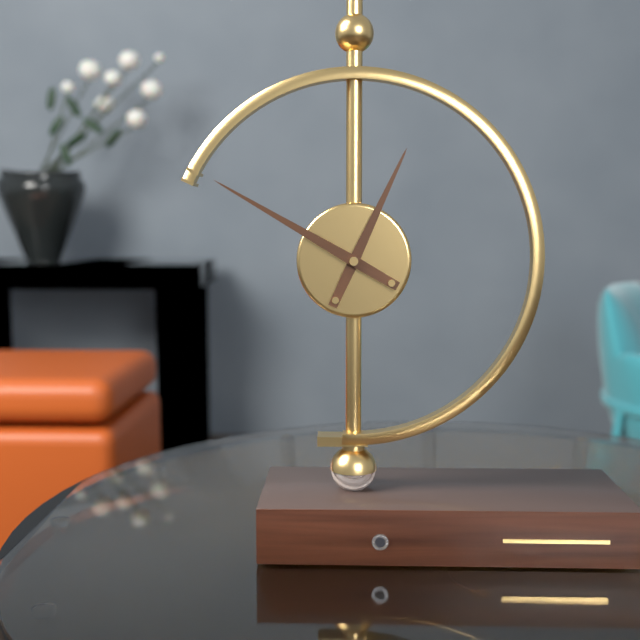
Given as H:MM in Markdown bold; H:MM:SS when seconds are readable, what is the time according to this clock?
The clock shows **12:50**
